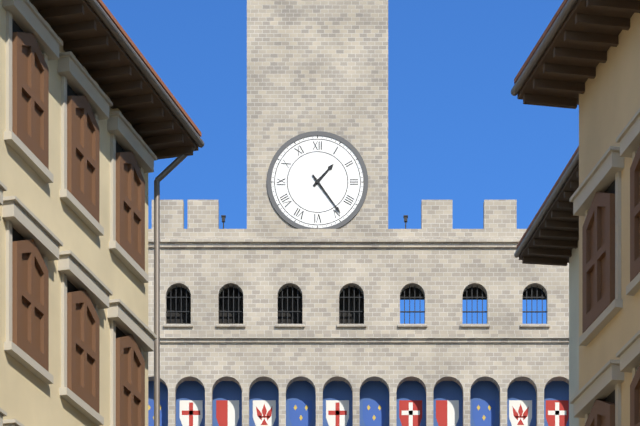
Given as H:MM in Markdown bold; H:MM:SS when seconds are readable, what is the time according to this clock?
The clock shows **1:24**
